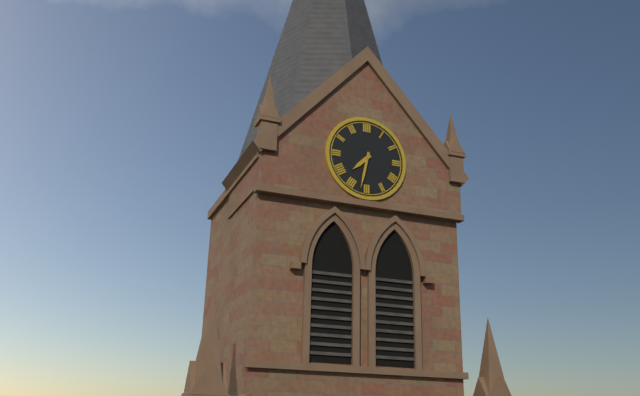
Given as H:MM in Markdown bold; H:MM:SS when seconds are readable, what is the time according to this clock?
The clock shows **7:32**
